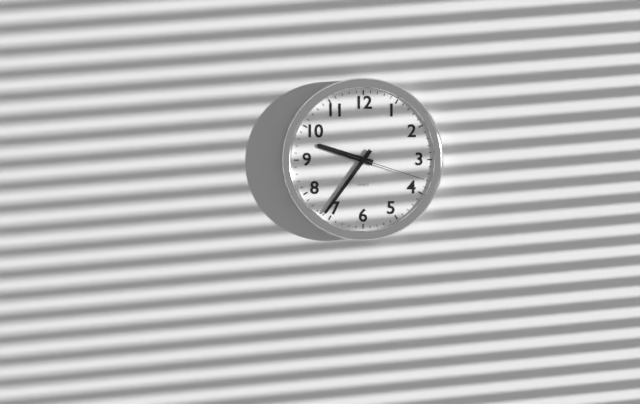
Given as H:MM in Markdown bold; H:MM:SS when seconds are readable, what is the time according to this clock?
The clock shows **9:36:18**
